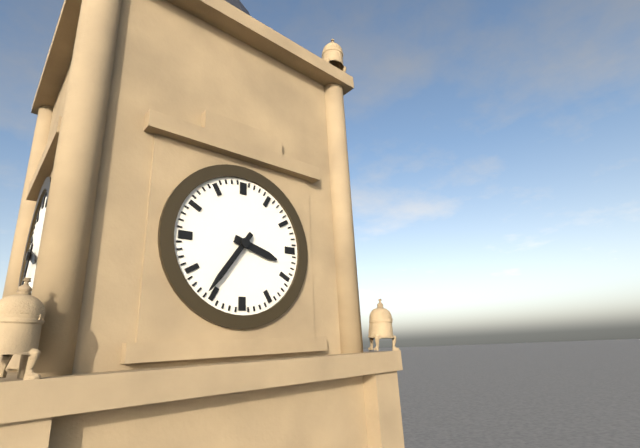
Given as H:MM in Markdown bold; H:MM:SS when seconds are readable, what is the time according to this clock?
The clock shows **3:36**
